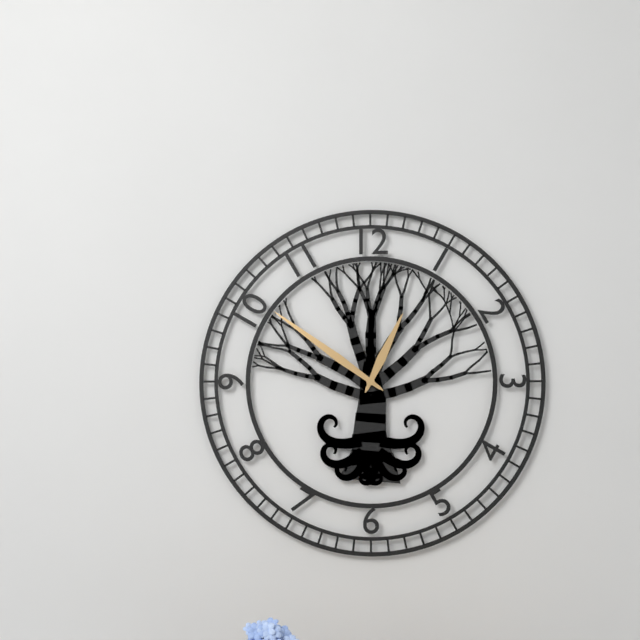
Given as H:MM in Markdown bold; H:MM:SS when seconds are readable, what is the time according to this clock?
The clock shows **12:51**
